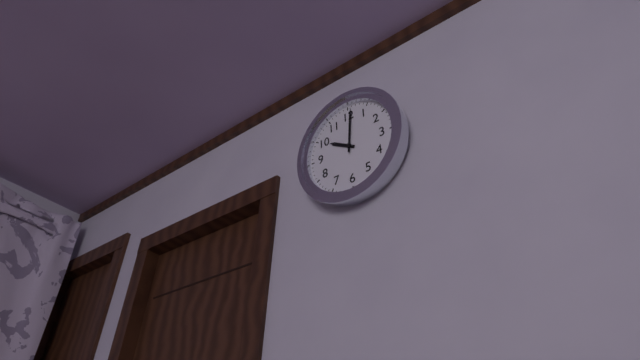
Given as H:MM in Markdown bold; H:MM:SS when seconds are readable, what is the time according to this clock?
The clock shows **10:01**
